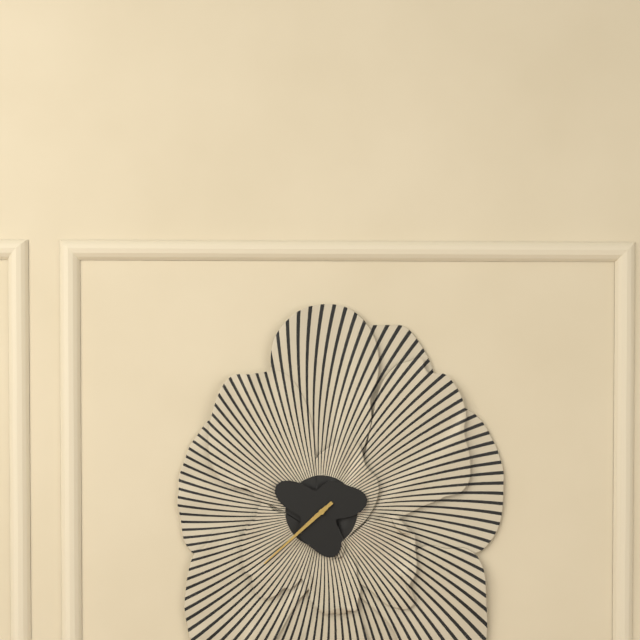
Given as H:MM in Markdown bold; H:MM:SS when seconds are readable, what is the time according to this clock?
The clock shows **7:38**
